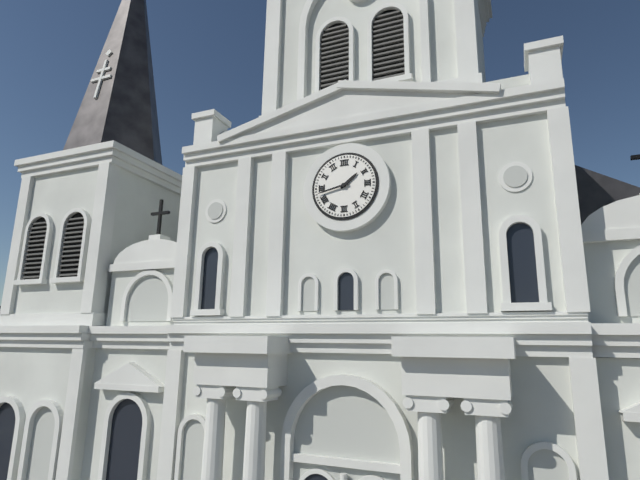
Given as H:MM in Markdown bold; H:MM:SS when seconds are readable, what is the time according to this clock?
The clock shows **1:43**
